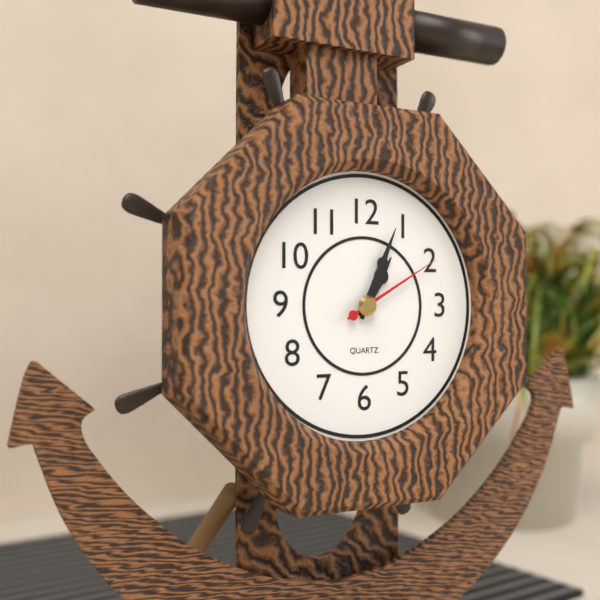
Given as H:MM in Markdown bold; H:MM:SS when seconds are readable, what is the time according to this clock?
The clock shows **1:04:10**
